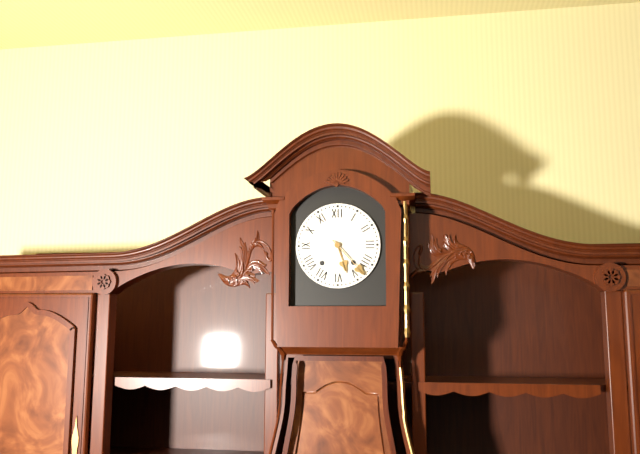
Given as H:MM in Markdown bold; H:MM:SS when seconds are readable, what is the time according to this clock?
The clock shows **5:23**
